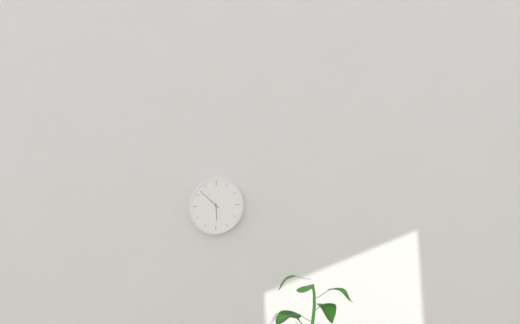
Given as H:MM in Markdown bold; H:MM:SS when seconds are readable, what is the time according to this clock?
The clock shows **5:52**
